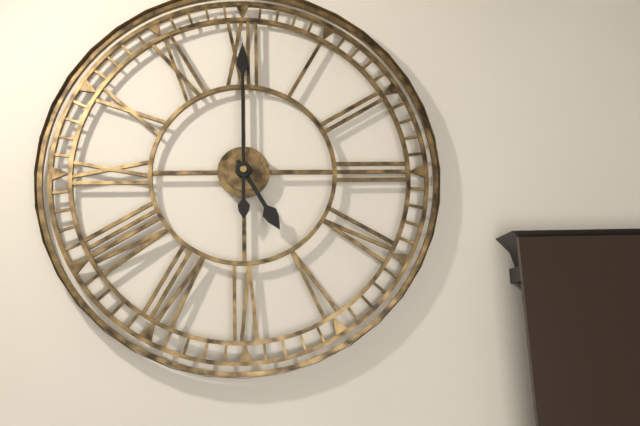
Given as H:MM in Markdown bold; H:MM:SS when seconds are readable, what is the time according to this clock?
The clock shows **5:00**
